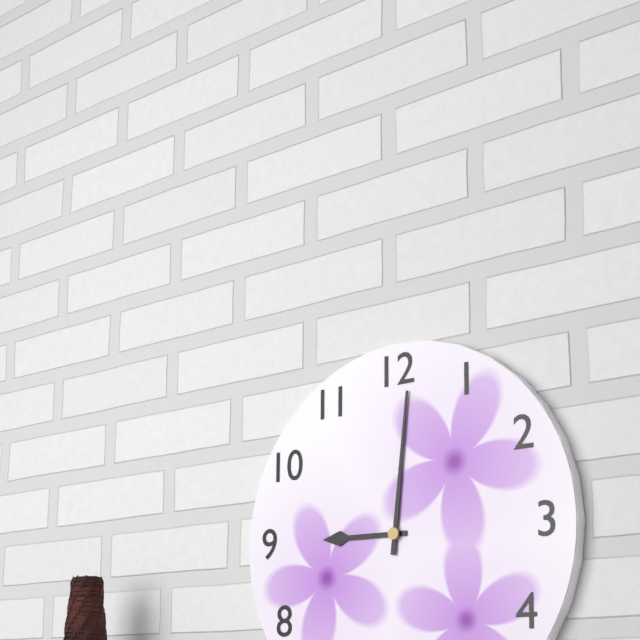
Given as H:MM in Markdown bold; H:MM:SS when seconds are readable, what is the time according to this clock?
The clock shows **9:01**
